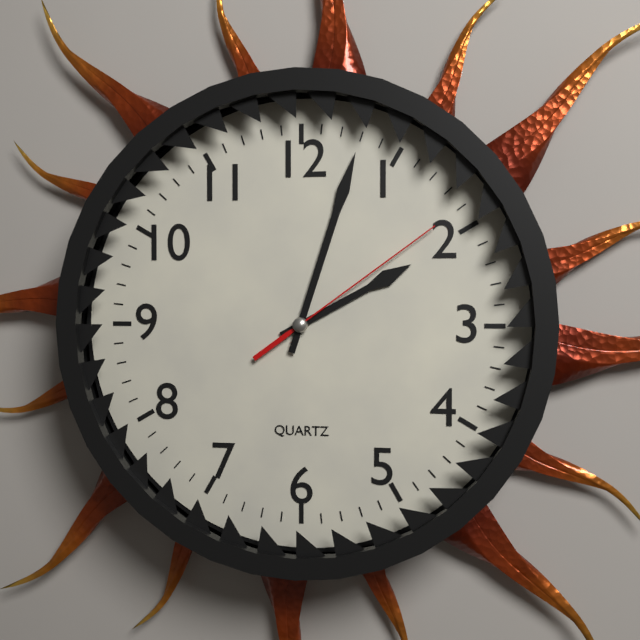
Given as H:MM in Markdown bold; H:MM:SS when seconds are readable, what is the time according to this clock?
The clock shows **2:03:09**
